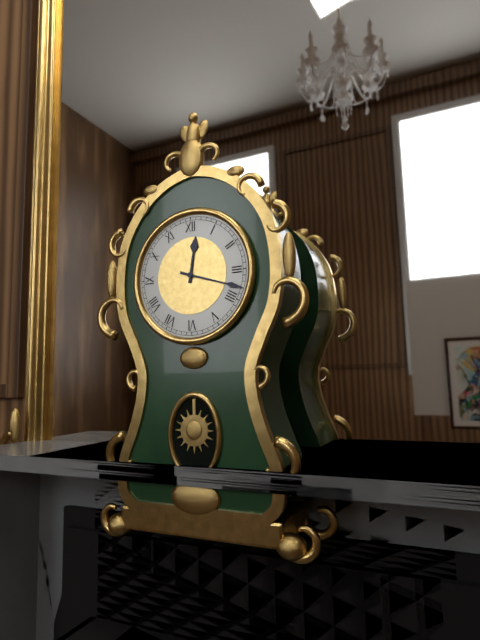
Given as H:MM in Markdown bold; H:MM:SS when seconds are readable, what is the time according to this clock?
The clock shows **12:18**
